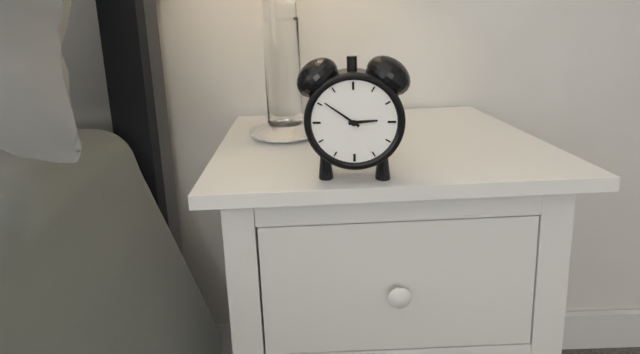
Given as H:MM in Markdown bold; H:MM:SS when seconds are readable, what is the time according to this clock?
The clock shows **2:51**
